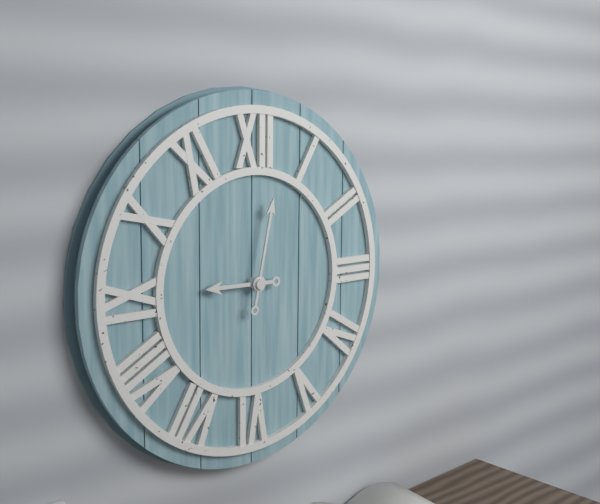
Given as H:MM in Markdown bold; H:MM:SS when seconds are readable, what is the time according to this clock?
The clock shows **9:02**
